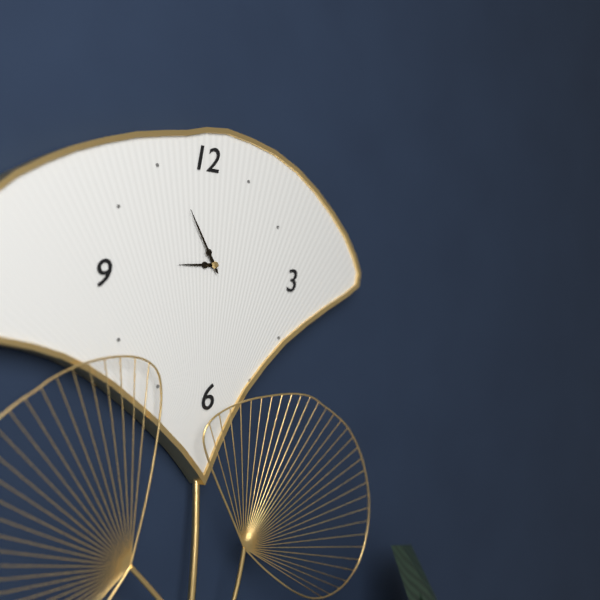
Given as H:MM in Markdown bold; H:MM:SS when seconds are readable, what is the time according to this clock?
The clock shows **8:55**
